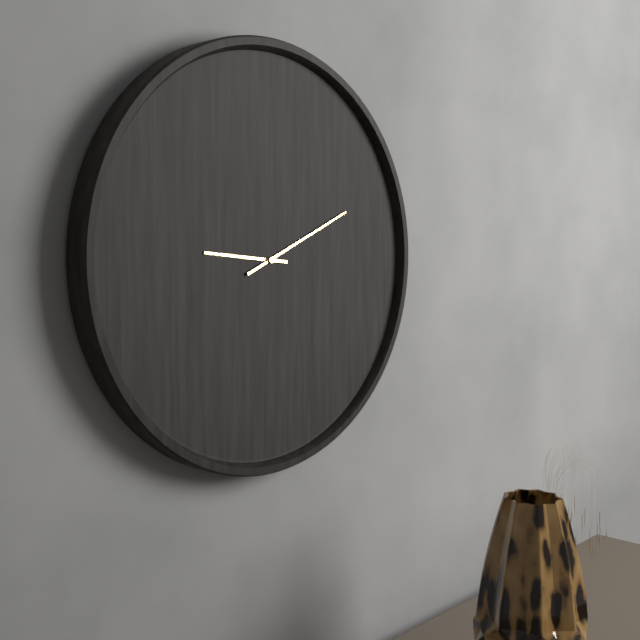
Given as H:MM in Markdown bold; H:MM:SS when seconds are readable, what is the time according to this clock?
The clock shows **9:11**
